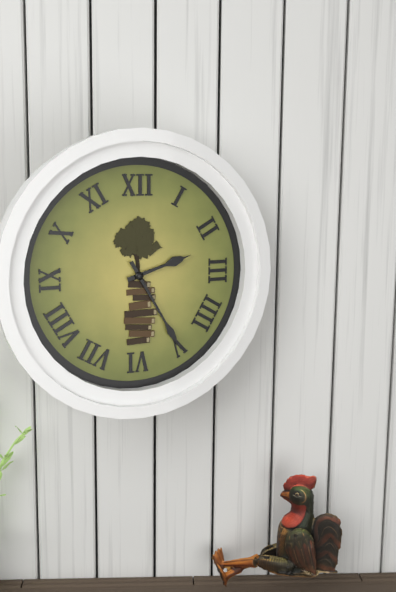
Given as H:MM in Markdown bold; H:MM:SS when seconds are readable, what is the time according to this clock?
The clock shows **2:25**
